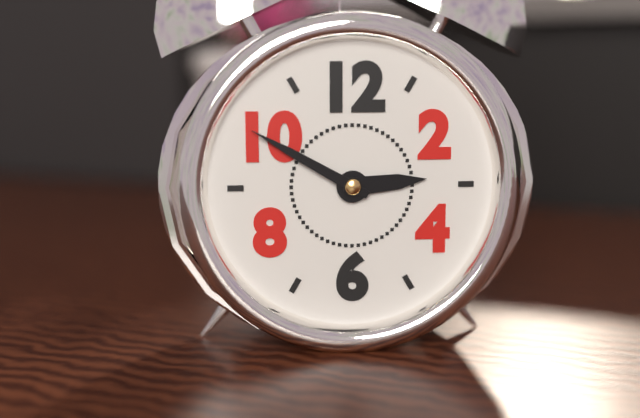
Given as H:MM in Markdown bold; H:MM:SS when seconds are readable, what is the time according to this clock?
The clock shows **2:50**
